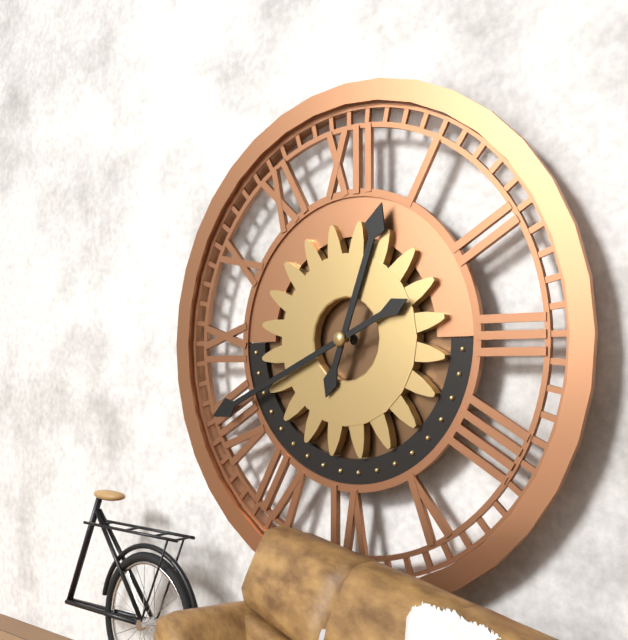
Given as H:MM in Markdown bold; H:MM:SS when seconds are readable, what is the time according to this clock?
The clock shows **12:41**
